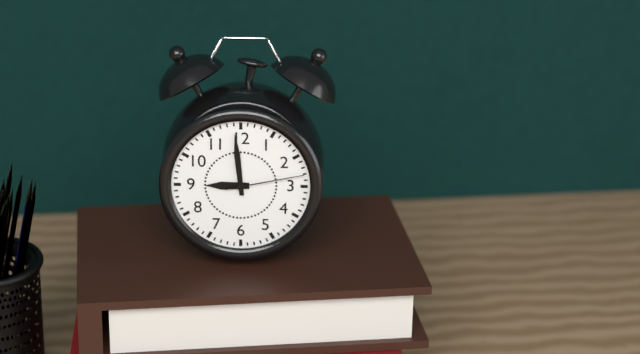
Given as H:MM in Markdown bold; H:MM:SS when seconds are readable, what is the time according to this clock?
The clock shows **8:59:13**
